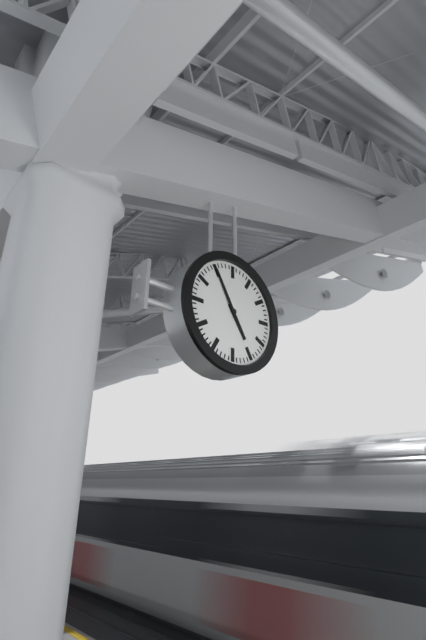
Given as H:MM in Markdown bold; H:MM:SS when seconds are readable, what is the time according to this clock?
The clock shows **4:55**
